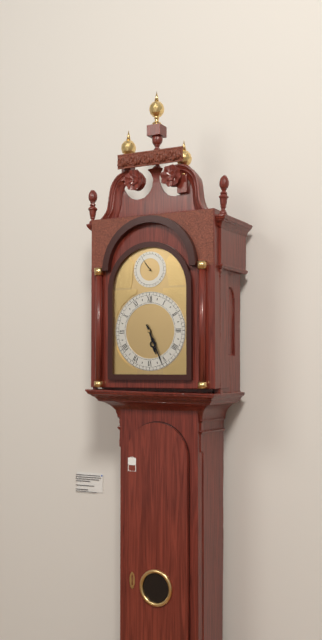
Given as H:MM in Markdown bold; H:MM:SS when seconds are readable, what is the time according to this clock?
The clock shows **5:26**
